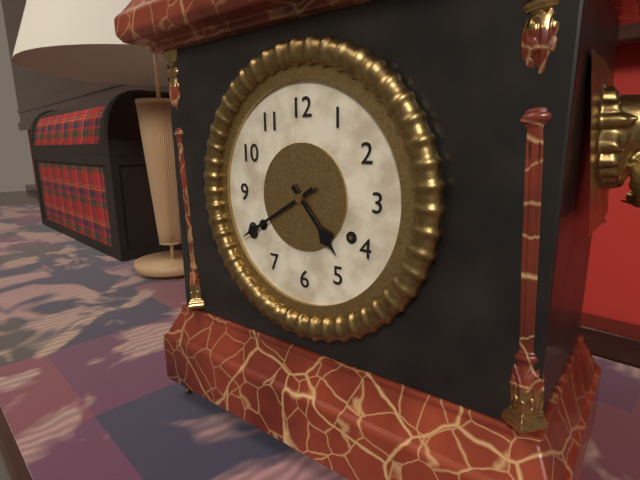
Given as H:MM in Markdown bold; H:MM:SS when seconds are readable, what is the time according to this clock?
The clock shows **4:40**
